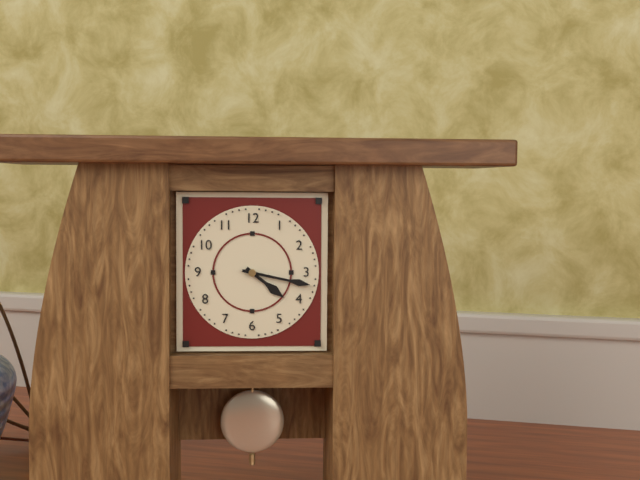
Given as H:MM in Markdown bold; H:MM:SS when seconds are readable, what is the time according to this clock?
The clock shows **4:17**
